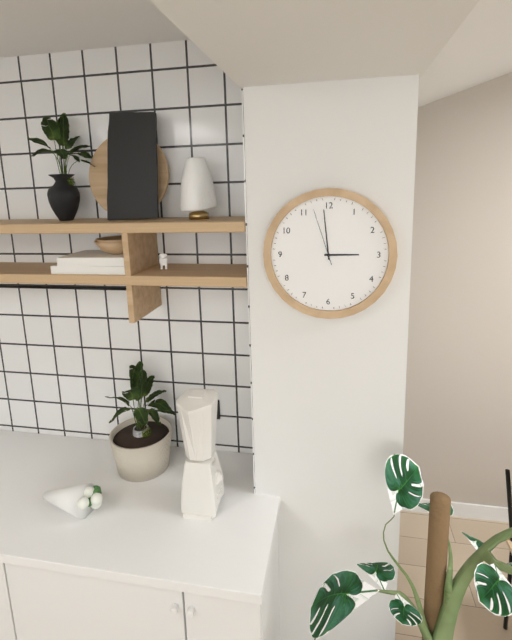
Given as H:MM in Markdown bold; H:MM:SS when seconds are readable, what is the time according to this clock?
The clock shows **2:59:57**
